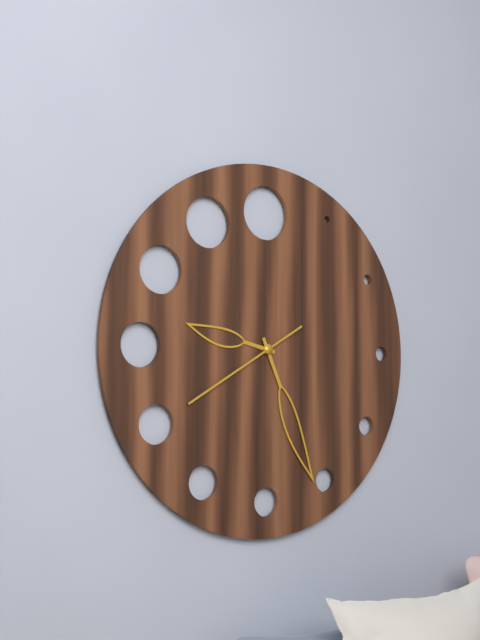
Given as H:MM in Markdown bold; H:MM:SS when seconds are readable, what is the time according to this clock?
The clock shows **9:26:40**
